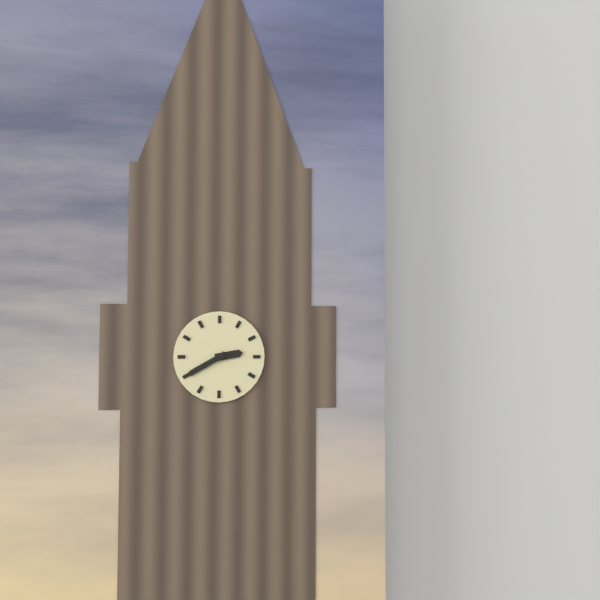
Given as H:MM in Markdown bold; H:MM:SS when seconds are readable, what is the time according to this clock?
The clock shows **2:40**
